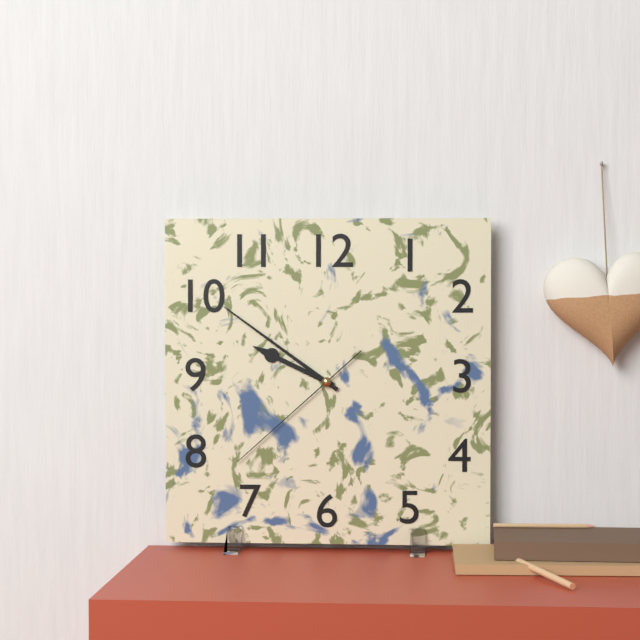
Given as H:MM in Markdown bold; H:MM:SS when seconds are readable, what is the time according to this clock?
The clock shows **9:51:38**
